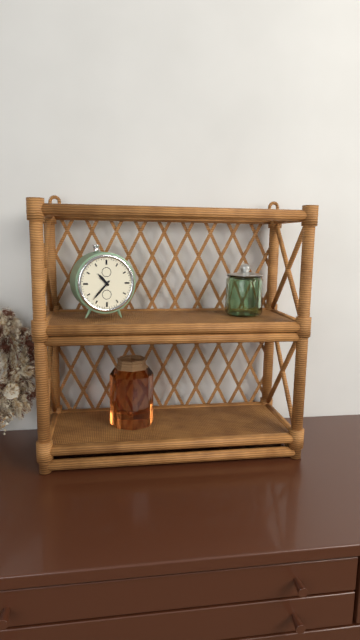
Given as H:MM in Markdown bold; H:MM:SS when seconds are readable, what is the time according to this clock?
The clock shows **10:37**
